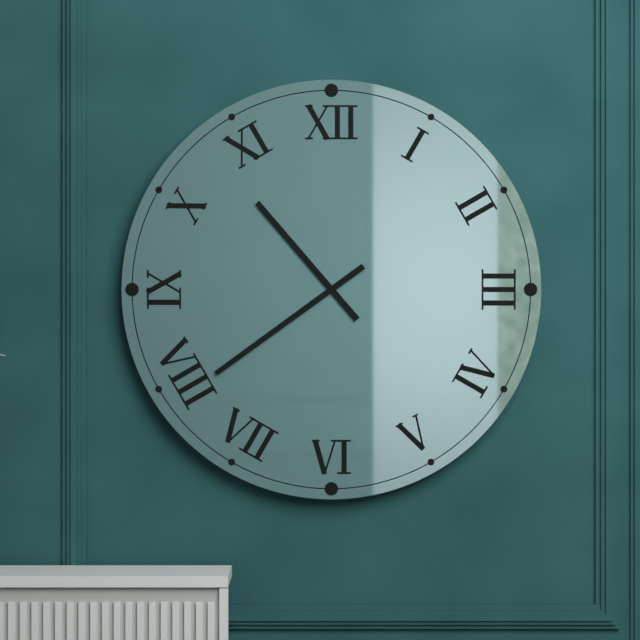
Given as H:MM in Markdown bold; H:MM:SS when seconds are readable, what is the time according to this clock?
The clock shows **10:39**
